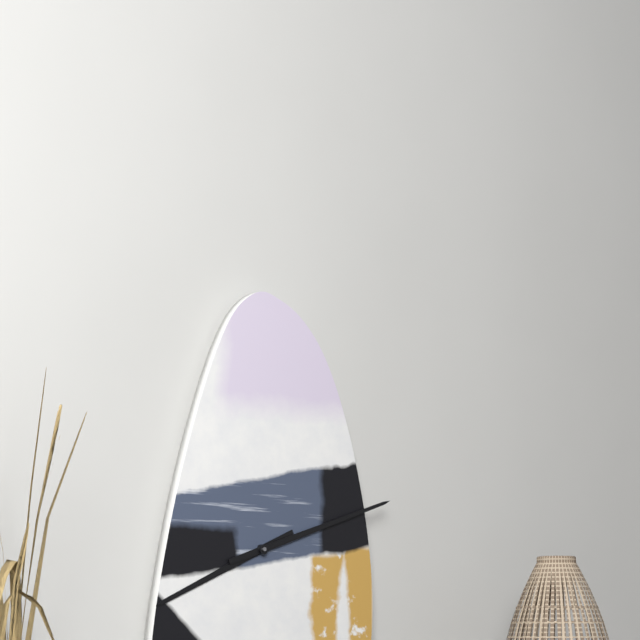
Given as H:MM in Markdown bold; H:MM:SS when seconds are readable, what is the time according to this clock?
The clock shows **8:12**
